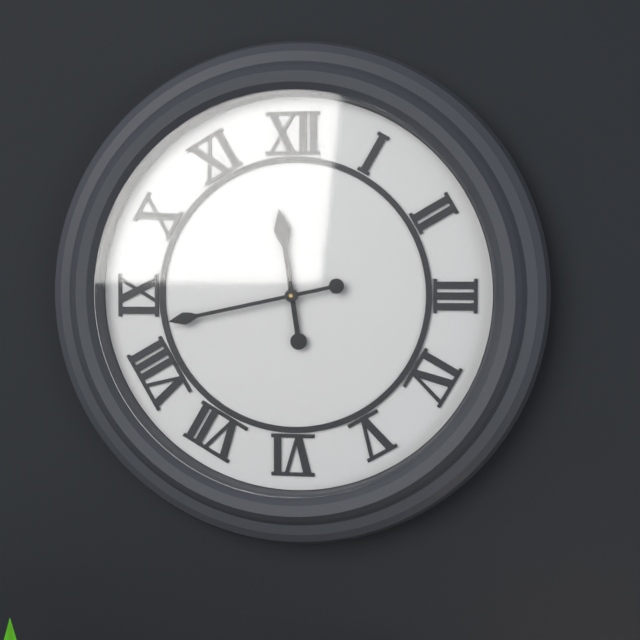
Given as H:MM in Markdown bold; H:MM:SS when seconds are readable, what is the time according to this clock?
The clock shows **11:43**
